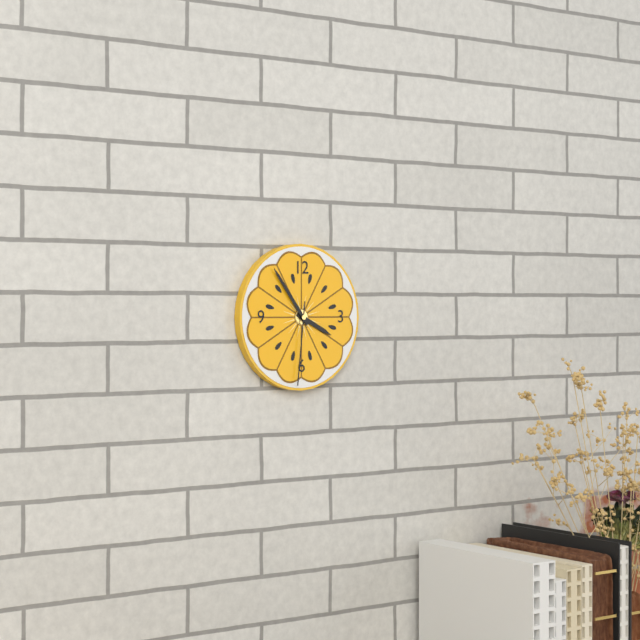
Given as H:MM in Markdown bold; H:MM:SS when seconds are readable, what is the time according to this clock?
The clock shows **3:54:31**
